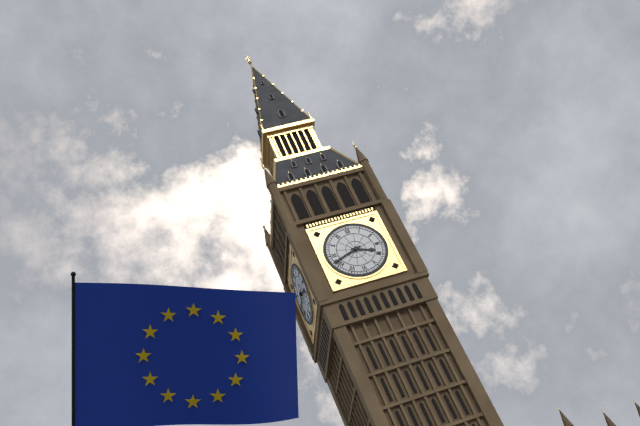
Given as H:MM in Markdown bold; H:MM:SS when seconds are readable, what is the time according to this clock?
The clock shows **3:42**
